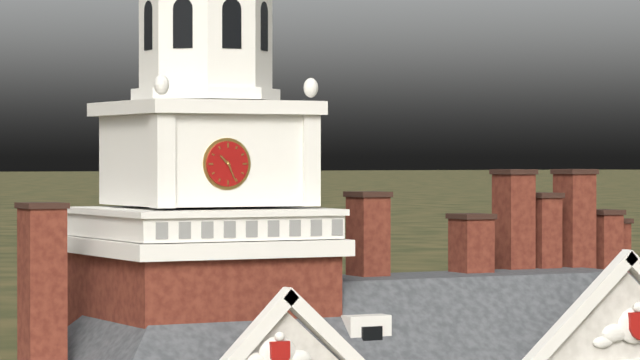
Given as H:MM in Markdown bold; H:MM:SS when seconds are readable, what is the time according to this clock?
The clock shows **10:26**
